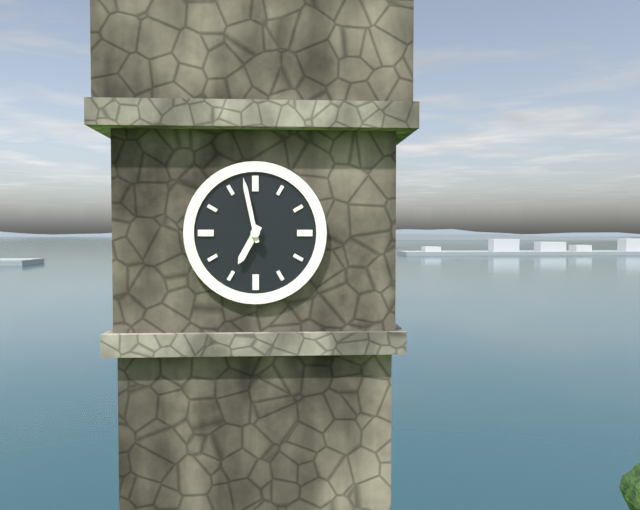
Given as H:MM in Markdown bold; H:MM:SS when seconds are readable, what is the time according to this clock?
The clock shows **6:58**
